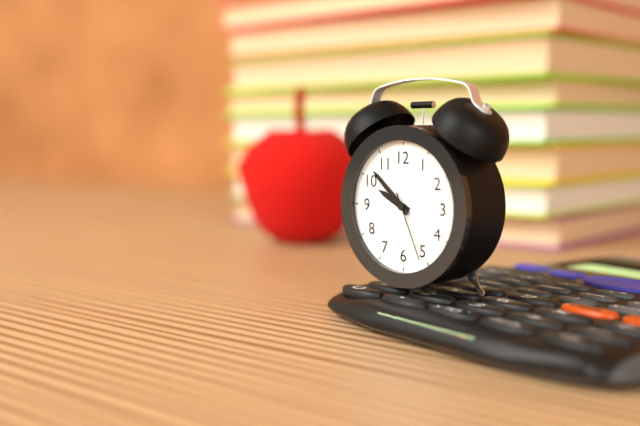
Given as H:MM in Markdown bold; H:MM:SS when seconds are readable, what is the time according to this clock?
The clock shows **9:52:26**
